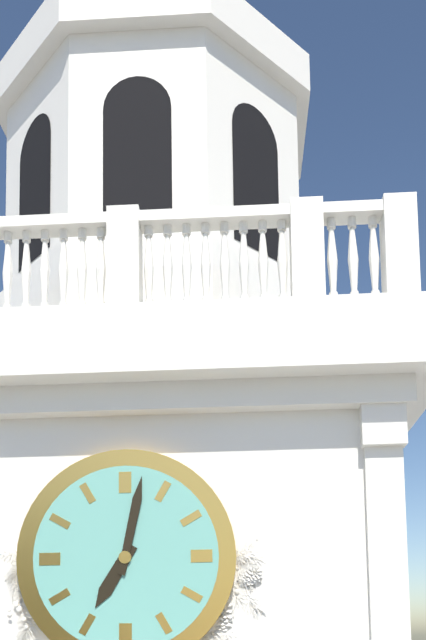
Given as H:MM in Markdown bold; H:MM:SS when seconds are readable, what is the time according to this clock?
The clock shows **7:02**
